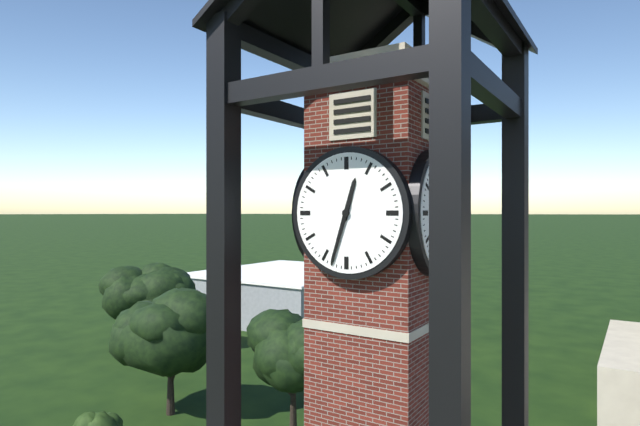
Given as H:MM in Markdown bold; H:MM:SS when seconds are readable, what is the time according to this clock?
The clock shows **12:33**
